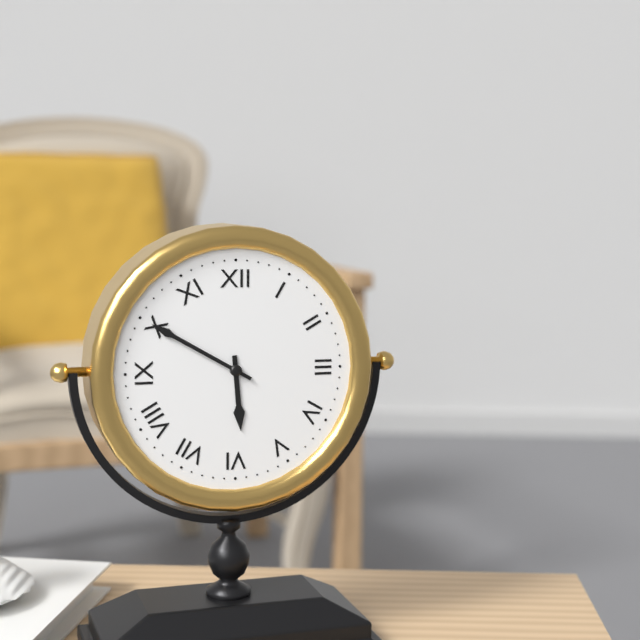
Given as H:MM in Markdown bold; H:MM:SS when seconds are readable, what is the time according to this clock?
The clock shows **5:50**
